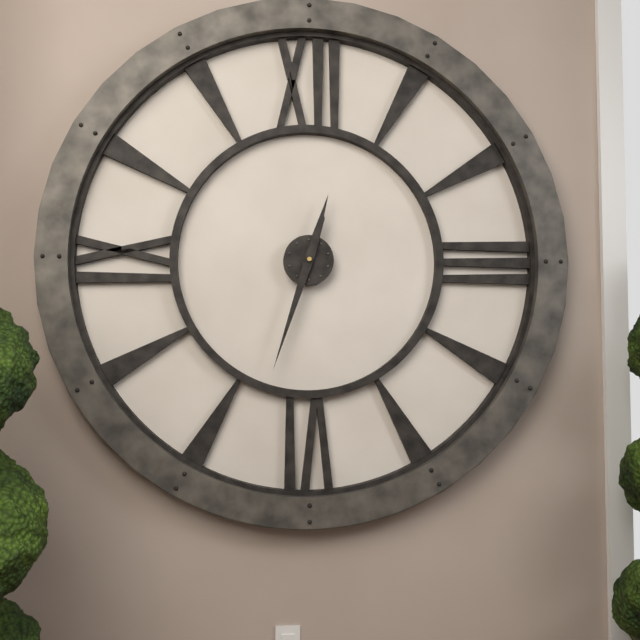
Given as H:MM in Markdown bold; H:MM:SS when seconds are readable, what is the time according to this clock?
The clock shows **12:33**
